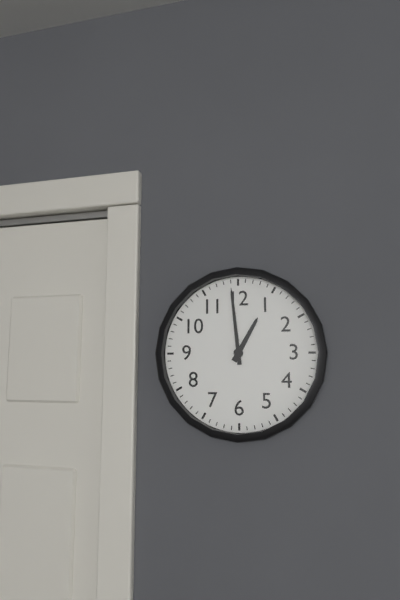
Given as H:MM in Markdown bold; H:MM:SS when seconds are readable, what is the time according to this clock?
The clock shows **12:59**
